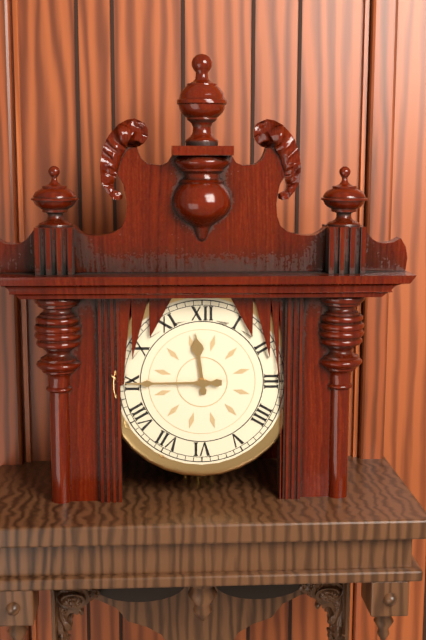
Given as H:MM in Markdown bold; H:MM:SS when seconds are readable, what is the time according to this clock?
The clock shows **11:45**
